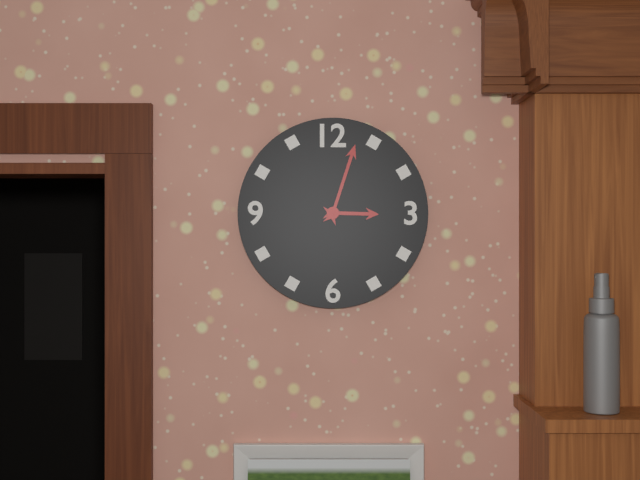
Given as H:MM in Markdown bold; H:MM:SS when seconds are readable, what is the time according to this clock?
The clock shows **3:03**
